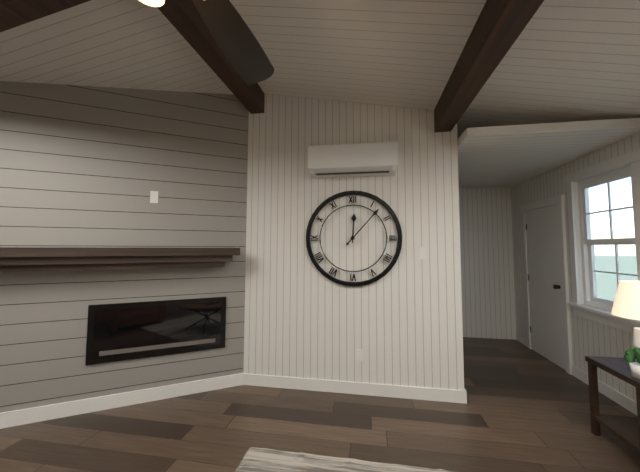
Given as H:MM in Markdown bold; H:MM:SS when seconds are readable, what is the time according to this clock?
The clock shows **12:07**
